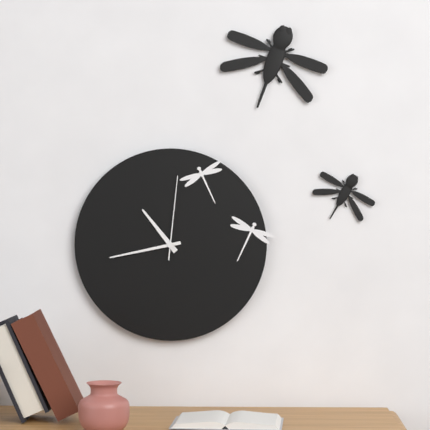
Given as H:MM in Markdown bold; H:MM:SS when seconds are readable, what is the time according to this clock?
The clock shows **10:43:01**
